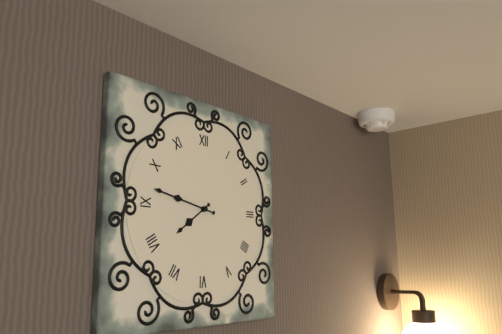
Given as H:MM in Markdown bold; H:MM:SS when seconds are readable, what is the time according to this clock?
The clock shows **7:47**
